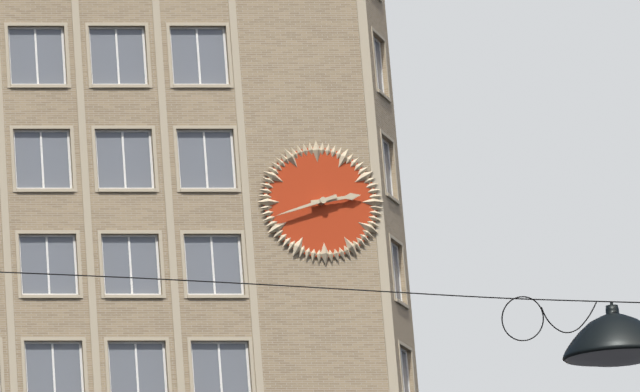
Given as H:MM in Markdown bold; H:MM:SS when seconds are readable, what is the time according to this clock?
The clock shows **2:42**
